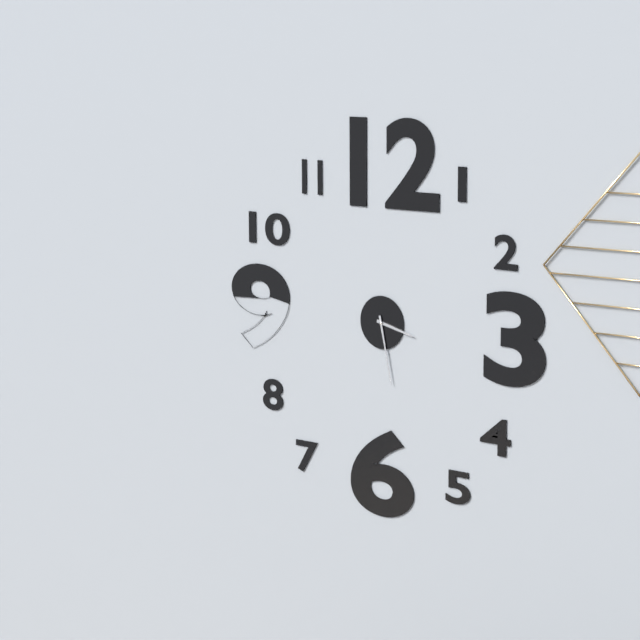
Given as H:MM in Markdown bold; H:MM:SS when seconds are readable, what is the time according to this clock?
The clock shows **3:28**
